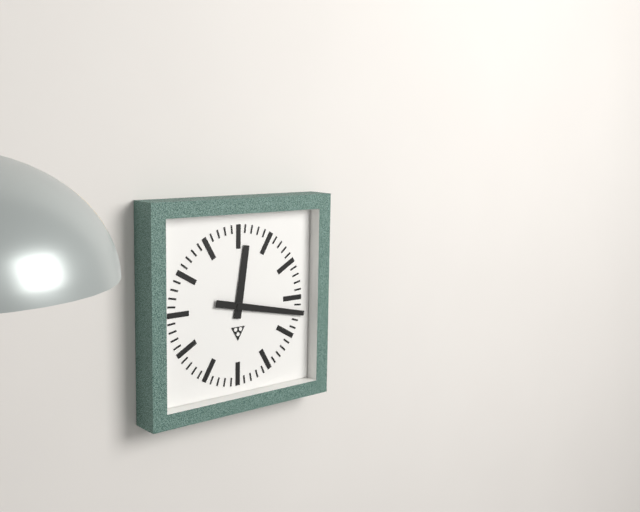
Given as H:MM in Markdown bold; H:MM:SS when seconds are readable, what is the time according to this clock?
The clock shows **12:17**
